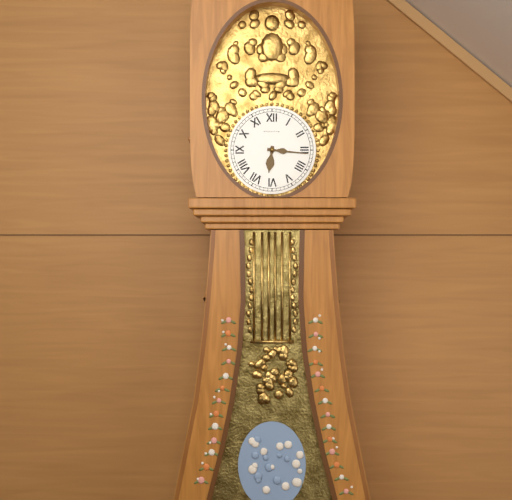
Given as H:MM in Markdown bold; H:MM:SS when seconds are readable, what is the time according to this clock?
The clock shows **6:16**
